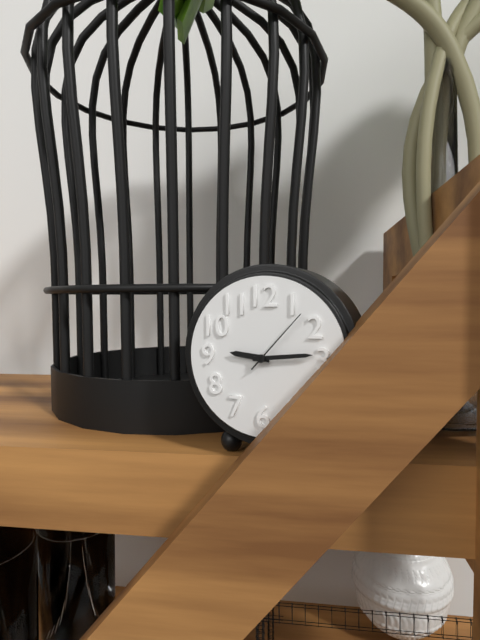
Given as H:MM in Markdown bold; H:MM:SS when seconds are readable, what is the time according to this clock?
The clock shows **9:14:07**
